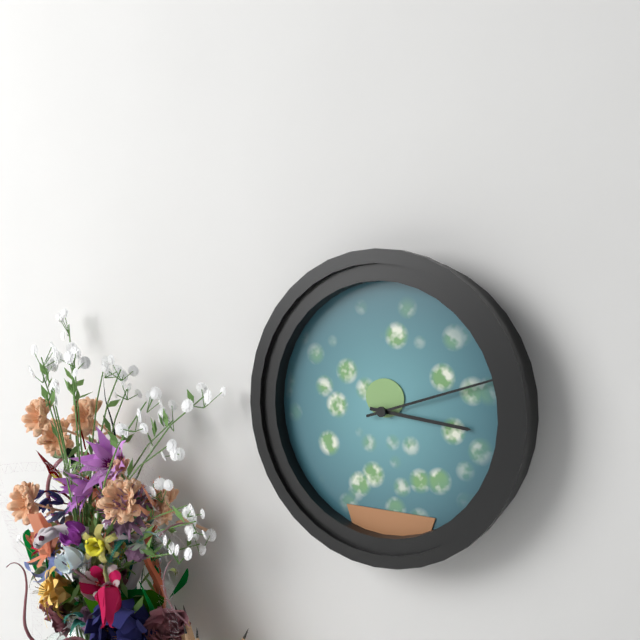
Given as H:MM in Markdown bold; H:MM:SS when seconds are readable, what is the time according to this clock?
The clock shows **3:12**
